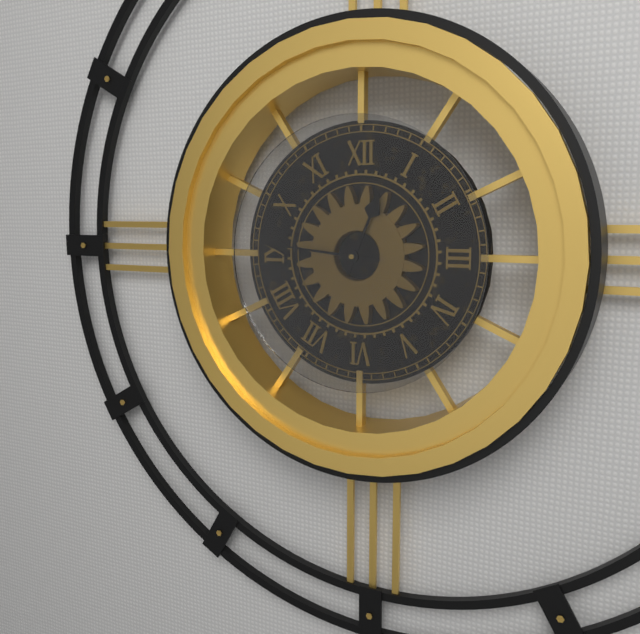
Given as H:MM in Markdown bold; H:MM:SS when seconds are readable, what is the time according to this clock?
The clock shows **12:46**
